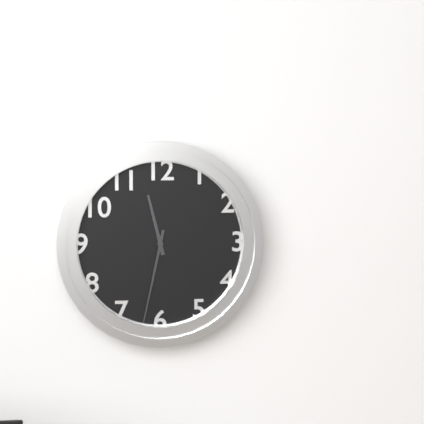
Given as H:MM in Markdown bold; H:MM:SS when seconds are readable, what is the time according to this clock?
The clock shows **11:32**
